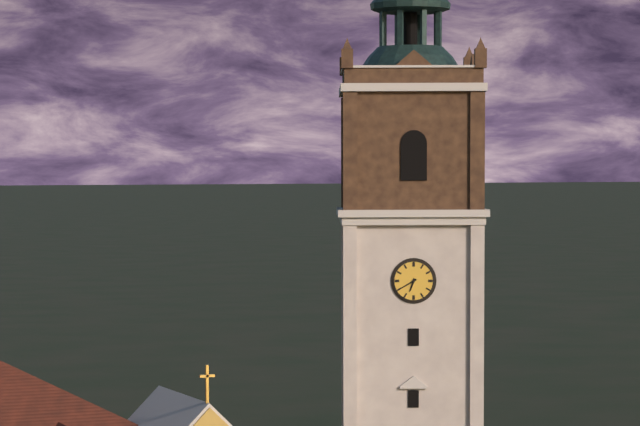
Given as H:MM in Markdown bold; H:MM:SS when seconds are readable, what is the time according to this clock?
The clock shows **6:40**
